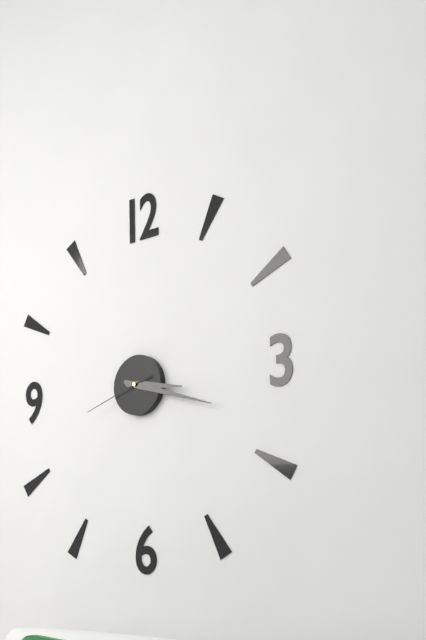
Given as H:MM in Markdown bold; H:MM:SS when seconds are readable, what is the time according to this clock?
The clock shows **3:18:42**
